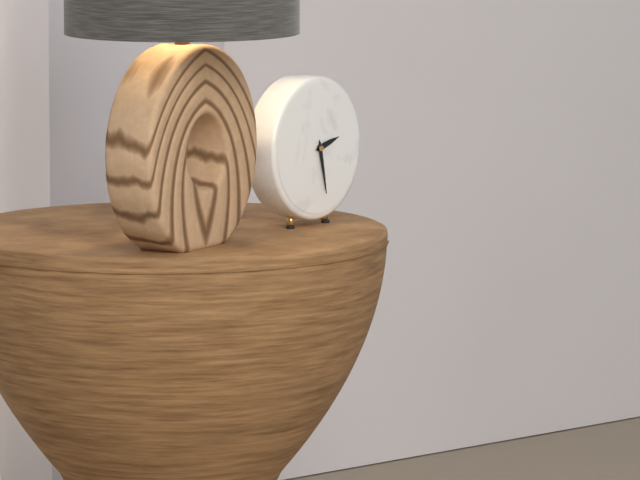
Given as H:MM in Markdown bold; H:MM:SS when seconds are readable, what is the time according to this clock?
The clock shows **2:28**
